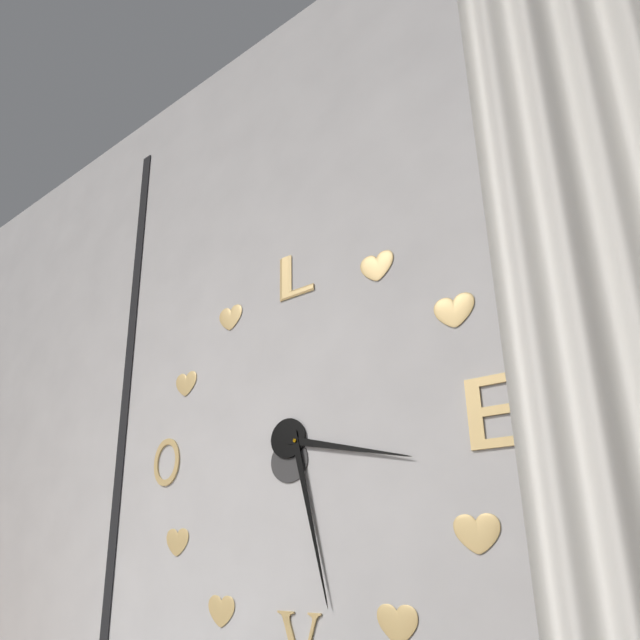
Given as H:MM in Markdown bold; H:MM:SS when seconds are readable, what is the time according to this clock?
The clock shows **3:28**
